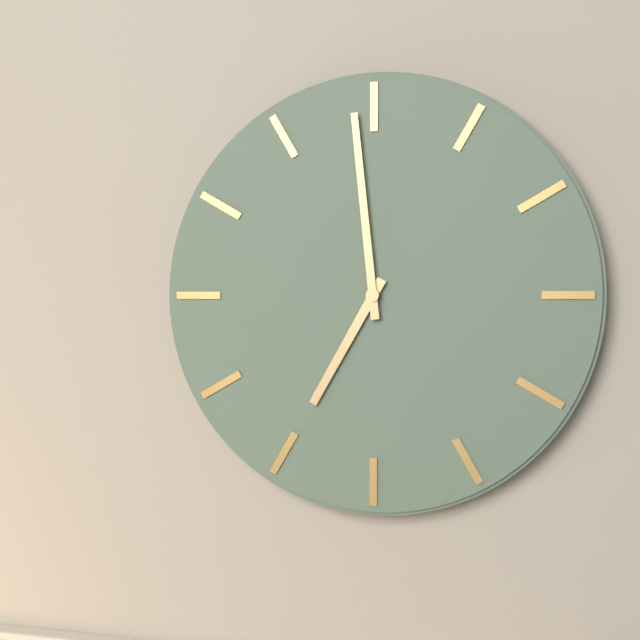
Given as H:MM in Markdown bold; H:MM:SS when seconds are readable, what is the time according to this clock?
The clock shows **6:59**
